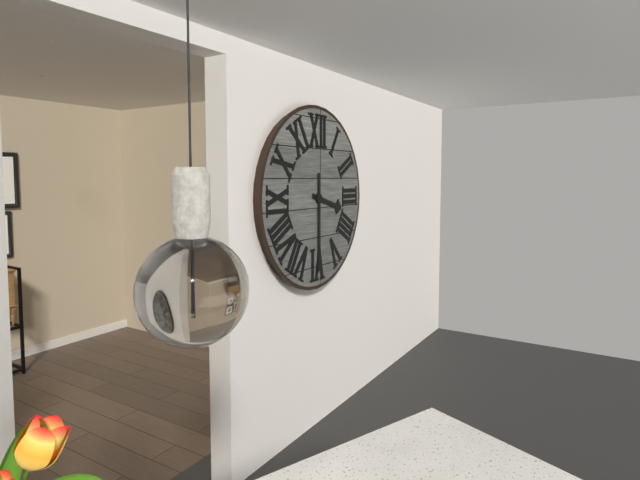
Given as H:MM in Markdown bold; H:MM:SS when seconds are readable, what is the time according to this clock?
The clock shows **3:30**
